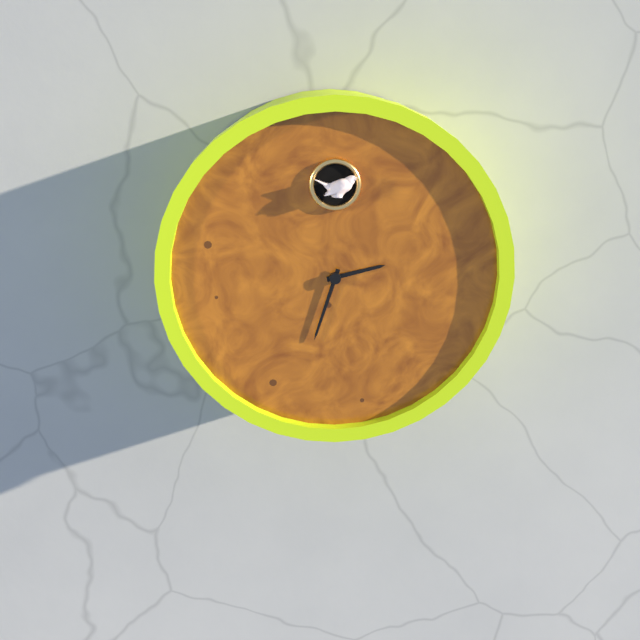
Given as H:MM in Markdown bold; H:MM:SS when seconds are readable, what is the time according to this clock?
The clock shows **2:33**
